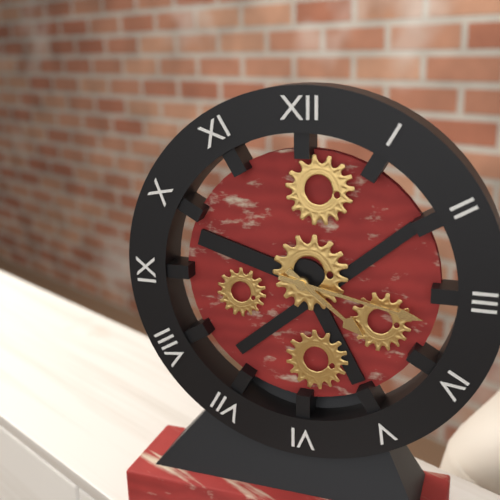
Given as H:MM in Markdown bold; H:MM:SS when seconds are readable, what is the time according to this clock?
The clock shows **4:17**
